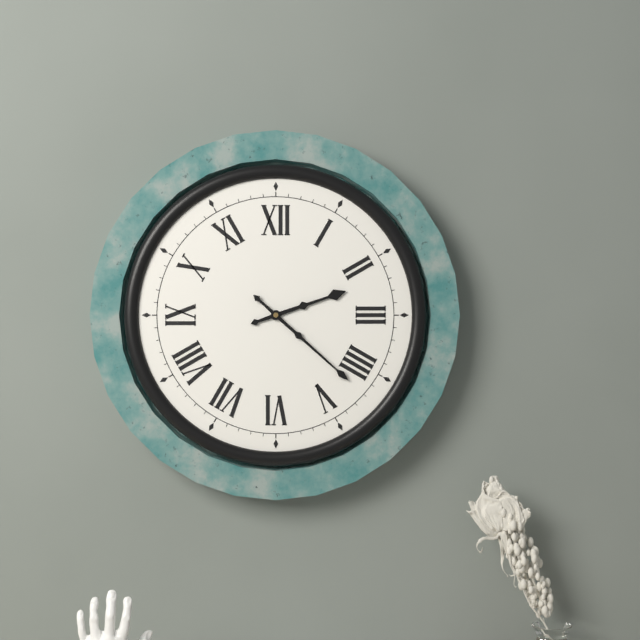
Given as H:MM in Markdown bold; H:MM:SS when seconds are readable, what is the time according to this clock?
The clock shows **2:22**
